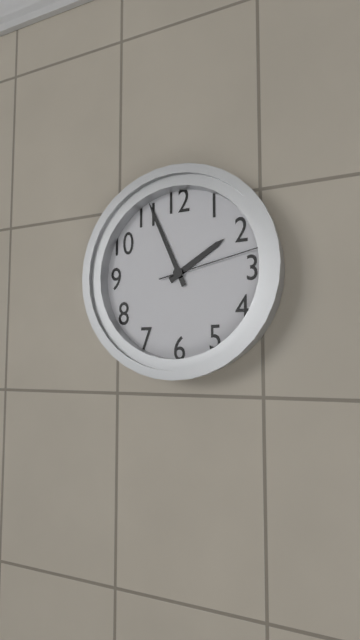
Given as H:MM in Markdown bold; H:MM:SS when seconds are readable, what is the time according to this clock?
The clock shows **1:56:13**
